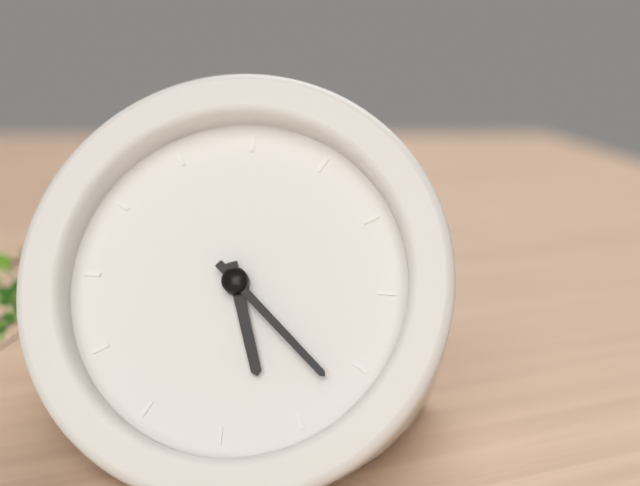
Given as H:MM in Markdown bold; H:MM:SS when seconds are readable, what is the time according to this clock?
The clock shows **5:22**
